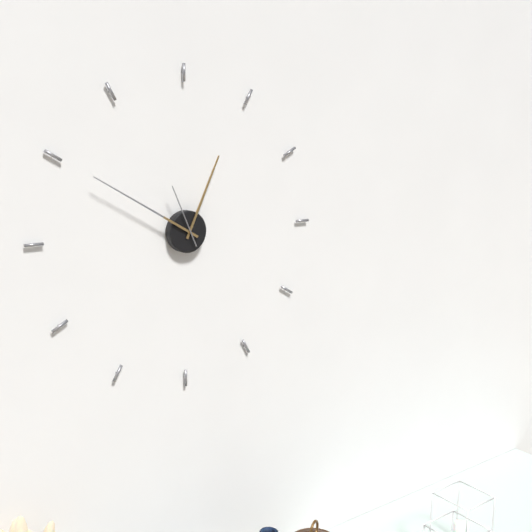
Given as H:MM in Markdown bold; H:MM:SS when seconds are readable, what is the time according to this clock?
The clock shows **12:50:56**
